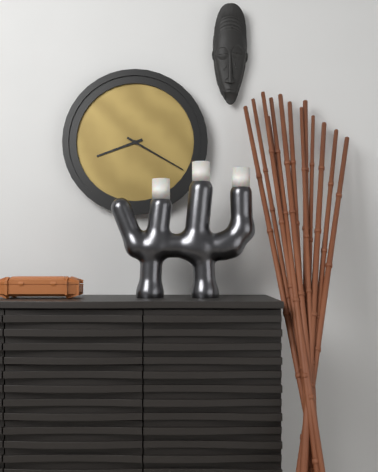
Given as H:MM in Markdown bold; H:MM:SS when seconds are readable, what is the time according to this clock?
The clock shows **8:20**
